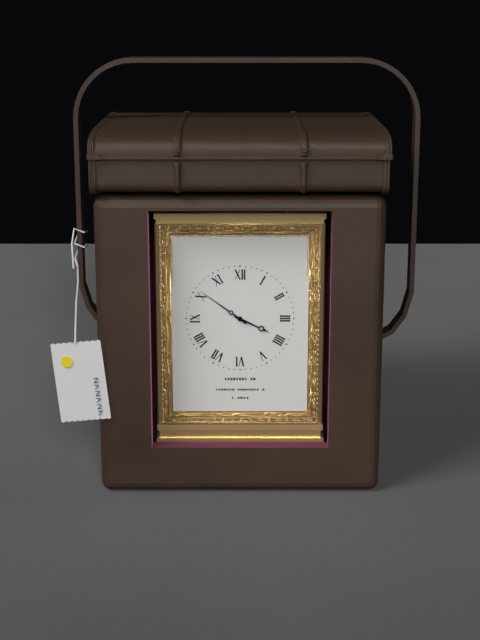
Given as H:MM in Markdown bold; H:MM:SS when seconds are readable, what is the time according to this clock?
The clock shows **3:51**
